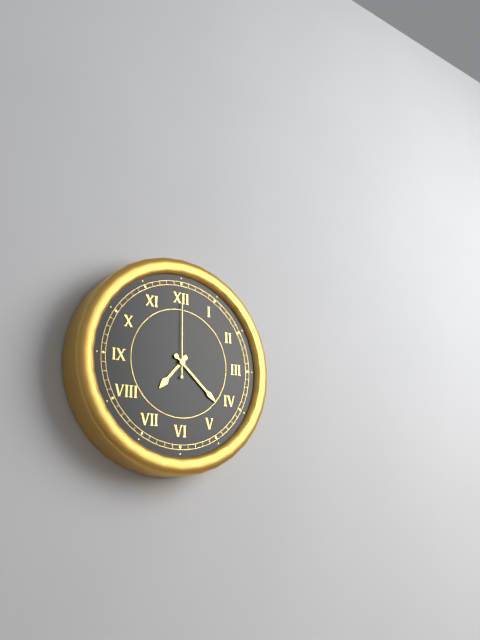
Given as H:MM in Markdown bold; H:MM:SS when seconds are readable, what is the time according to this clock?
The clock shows **7:22:00**
